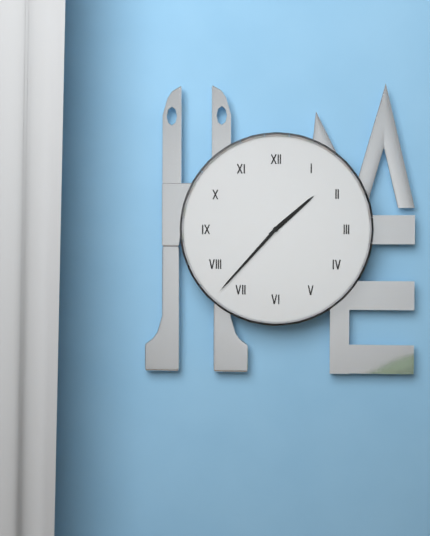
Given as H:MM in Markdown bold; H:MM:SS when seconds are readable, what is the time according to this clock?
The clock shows **1:37**
